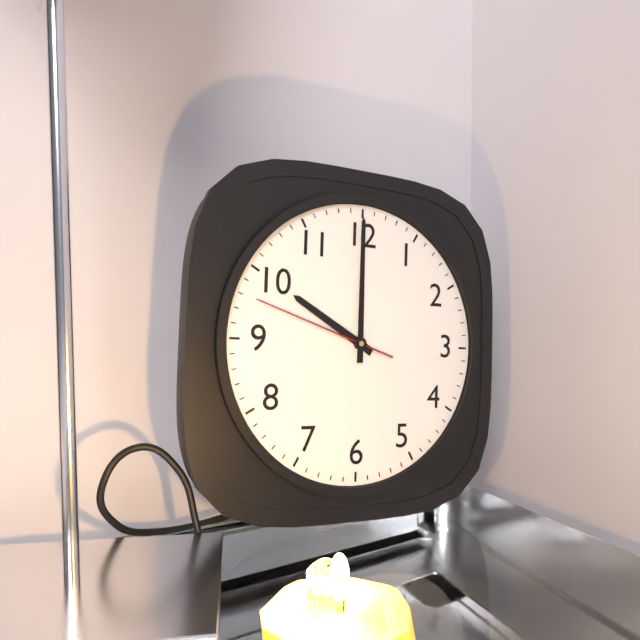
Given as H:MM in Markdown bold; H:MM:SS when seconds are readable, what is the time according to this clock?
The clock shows **10:00:48**
